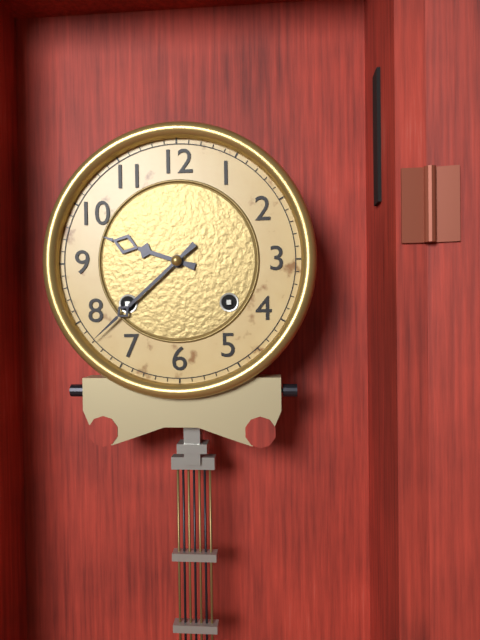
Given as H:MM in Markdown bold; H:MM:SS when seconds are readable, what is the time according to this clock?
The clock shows **9:38**
